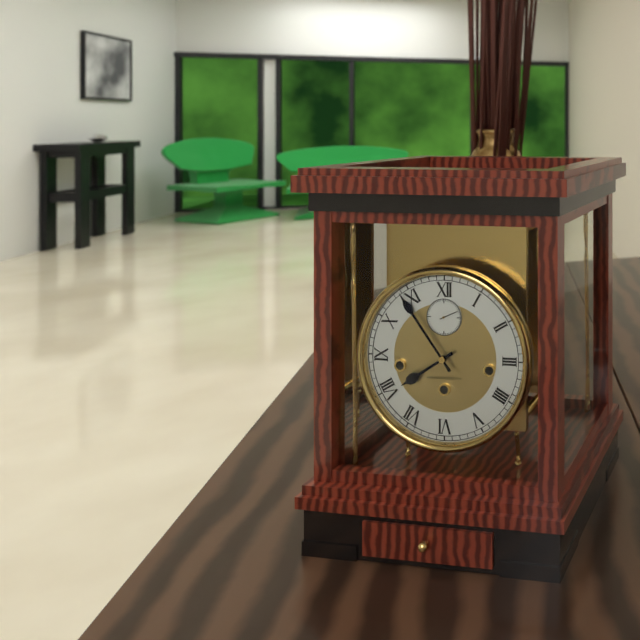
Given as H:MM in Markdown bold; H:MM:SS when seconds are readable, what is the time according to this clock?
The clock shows **7:54**
